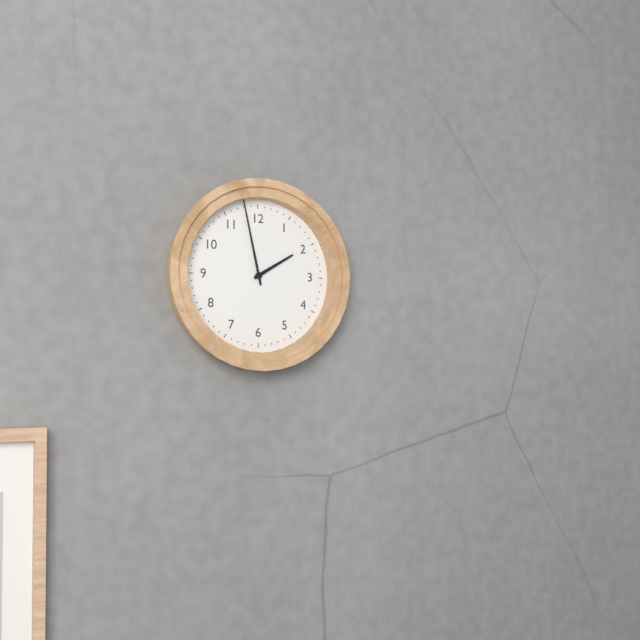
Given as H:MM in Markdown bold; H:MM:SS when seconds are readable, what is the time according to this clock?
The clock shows **1:58**
